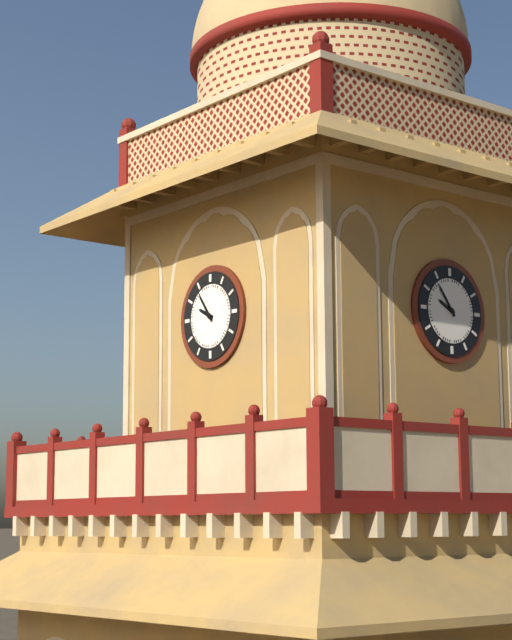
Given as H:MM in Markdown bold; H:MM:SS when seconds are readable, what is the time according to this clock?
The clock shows **9:54**
